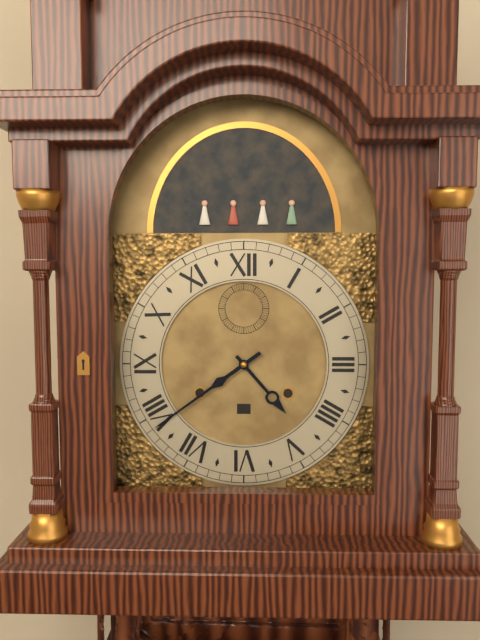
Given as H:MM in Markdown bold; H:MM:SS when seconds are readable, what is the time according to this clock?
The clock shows **4:39**
